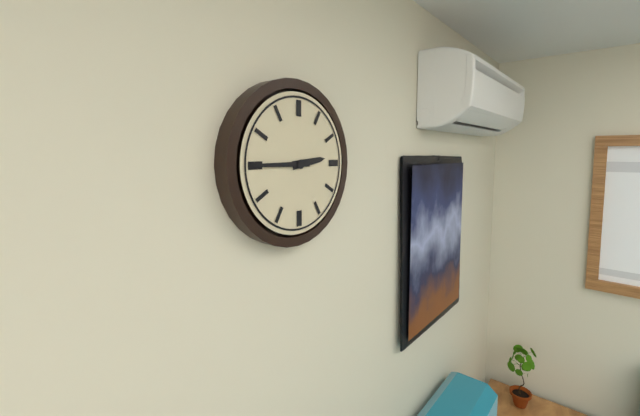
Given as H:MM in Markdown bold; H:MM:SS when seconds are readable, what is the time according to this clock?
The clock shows **2:45**
